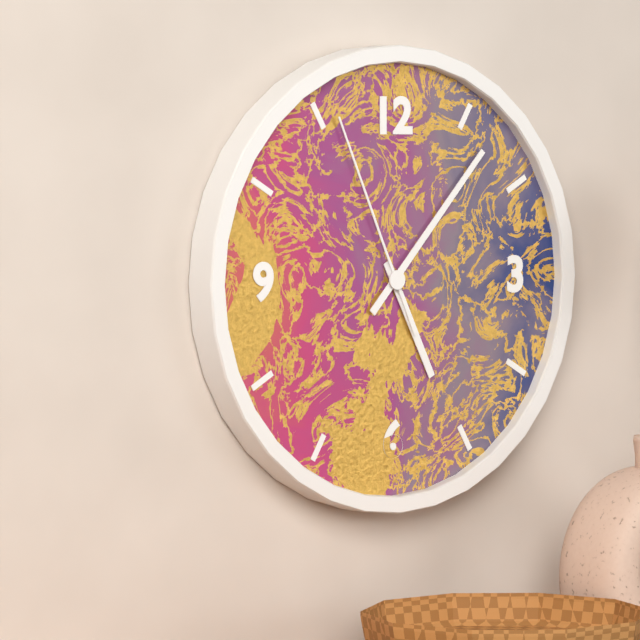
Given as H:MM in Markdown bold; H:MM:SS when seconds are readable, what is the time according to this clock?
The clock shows **5:07:56**
